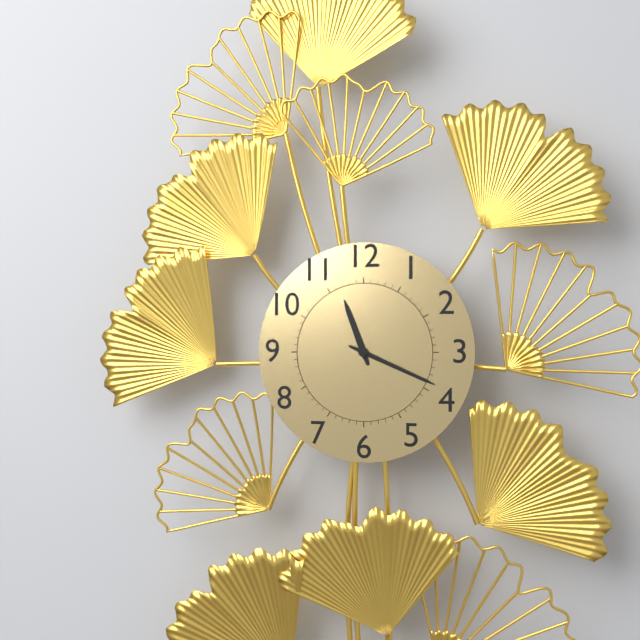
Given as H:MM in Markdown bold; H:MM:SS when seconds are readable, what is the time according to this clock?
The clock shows **11:19**
